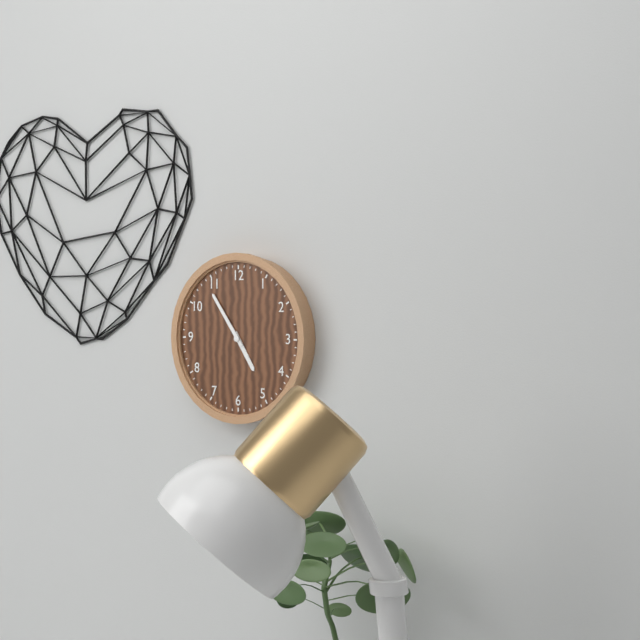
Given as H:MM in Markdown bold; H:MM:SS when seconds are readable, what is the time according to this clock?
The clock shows **4:54**
